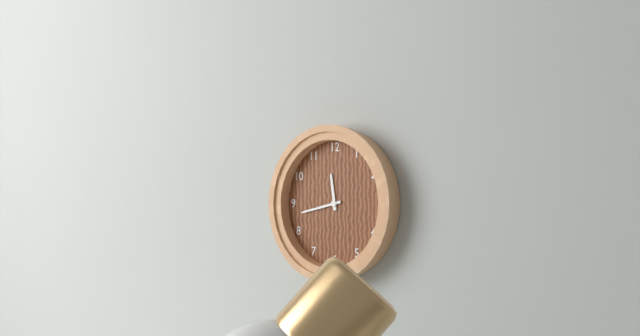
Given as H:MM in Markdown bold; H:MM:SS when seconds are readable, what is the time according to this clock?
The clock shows **11:43**
